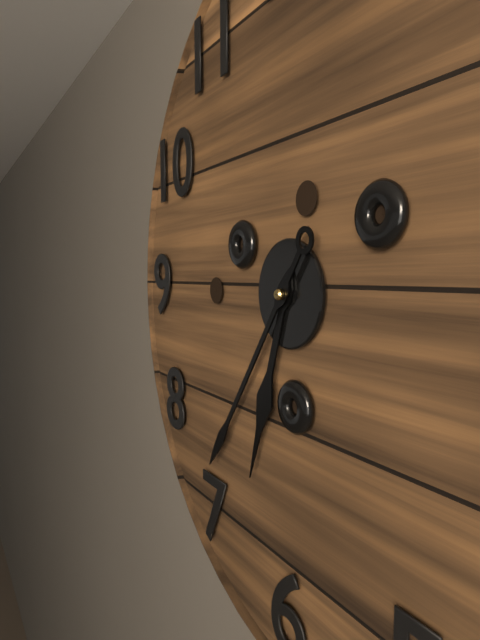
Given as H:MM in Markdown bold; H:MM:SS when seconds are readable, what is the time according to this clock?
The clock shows **6:36**
